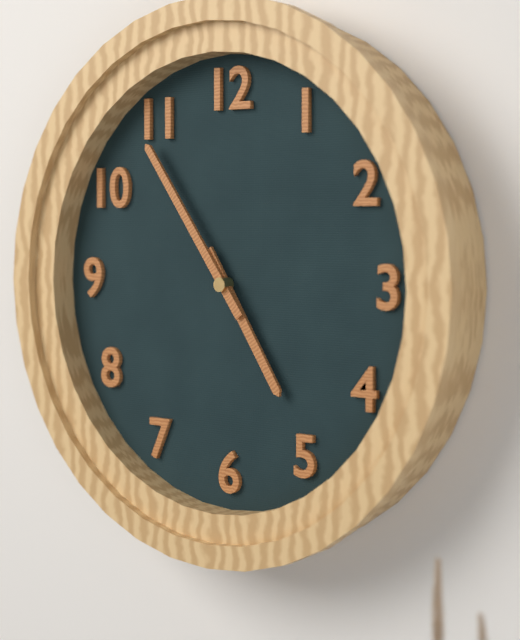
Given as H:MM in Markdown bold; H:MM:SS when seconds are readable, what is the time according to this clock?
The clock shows **4:54**
